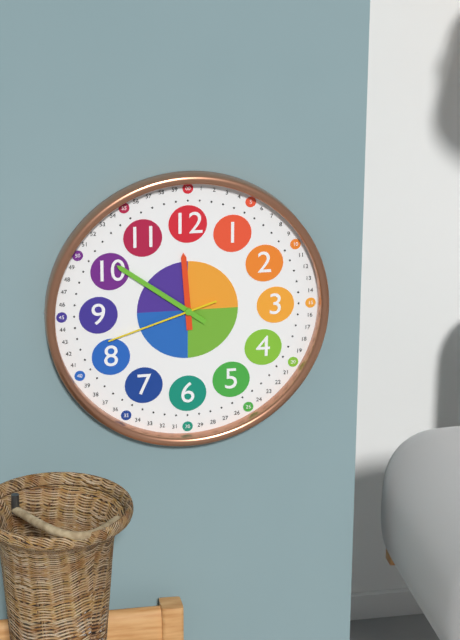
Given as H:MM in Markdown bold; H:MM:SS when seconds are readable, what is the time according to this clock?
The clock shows **11:51:42**
